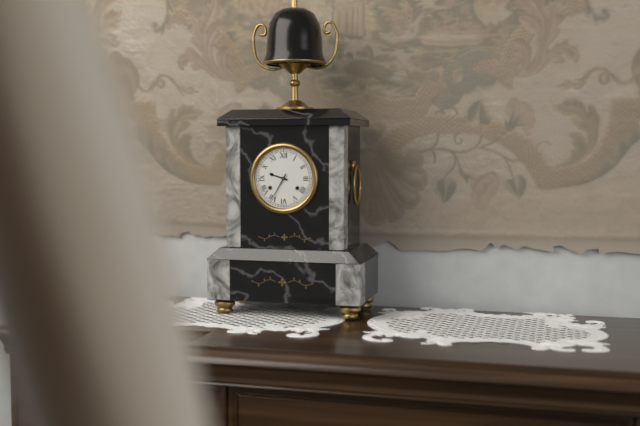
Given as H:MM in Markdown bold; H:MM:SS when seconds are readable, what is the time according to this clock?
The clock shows **9:35**
